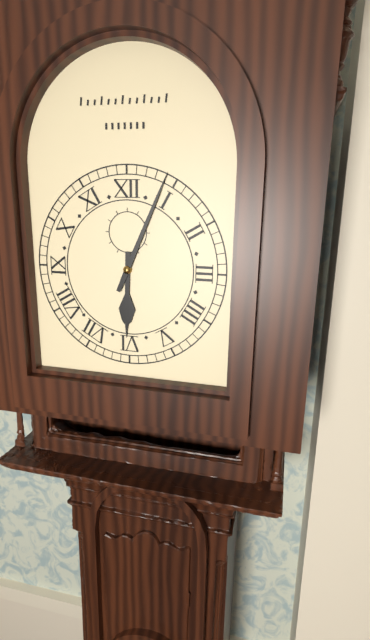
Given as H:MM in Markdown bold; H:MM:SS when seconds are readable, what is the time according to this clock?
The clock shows **6:04**
